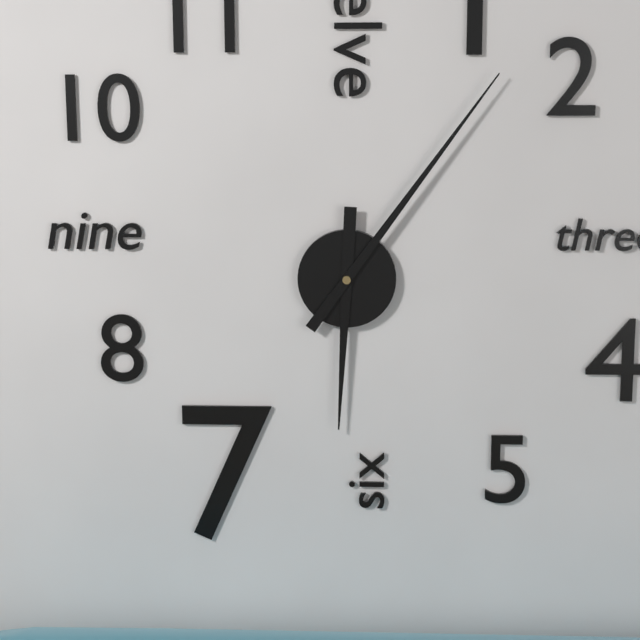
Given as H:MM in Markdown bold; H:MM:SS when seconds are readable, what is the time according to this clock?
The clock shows **6:06**
